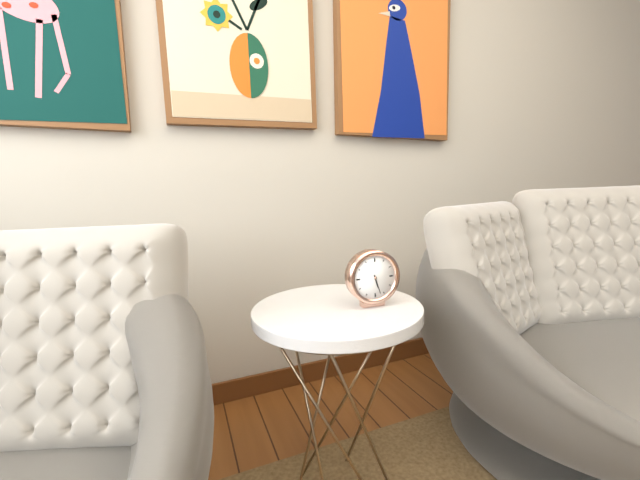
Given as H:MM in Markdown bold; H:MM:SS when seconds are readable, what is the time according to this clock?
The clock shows **5:27**
